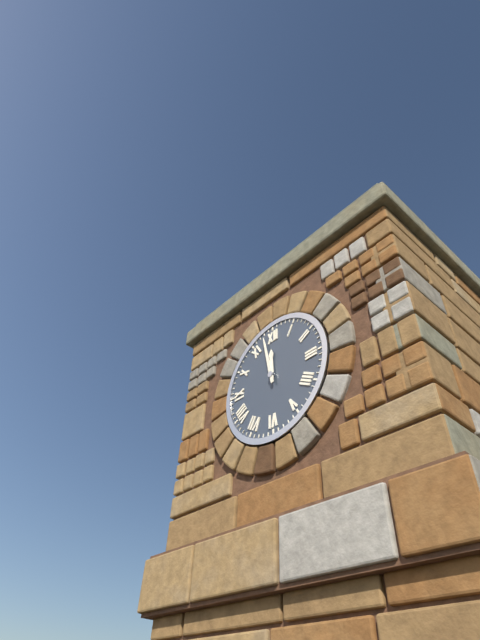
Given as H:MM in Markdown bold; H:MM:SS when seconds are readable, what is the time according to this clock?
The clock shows **11:58**
